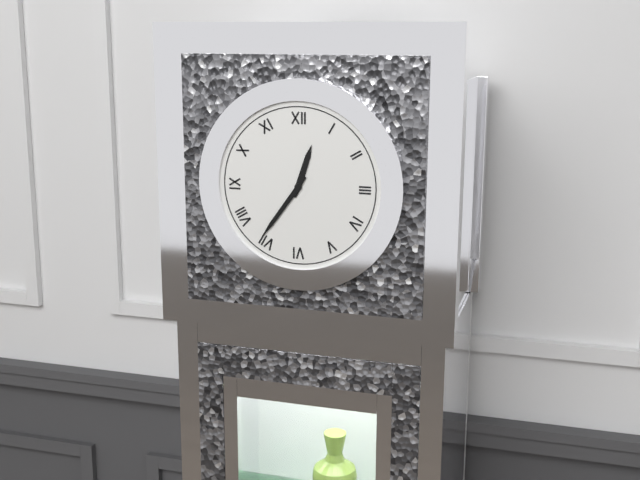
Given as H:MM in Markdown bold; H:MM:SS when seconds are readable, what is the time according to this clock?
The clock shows **12:36**
